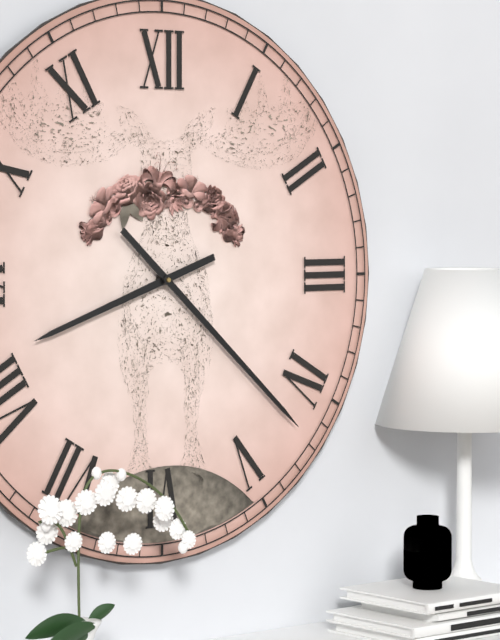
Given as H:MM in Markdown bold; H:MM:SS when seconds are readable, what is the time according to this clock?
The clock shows **8:22**
